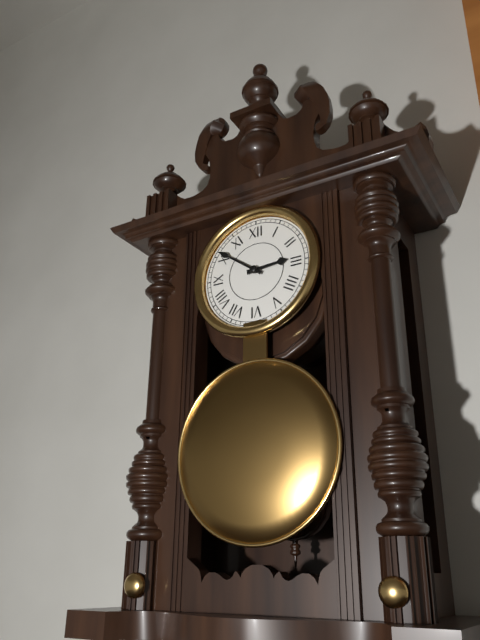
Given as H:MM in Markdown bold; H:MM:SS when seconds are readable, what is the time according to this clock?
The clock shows **2:51**
